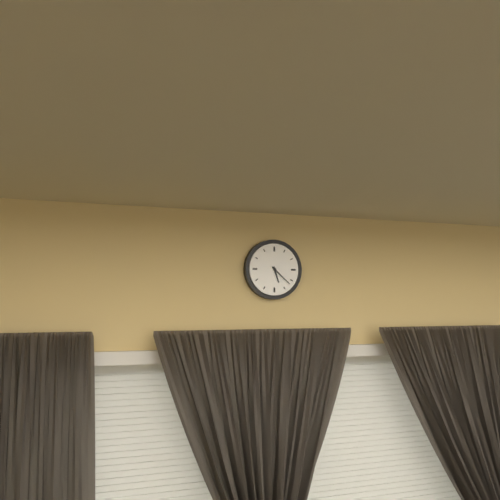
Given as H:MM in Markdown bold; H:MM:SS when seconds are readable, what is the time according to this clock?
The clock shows **5:22**
